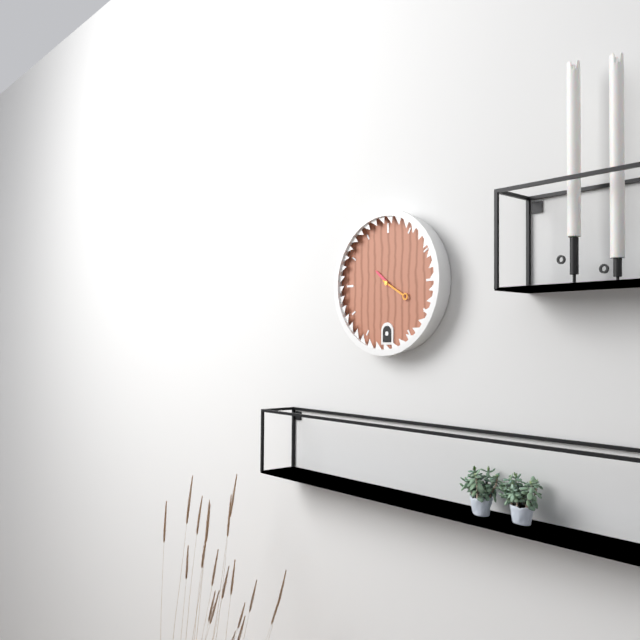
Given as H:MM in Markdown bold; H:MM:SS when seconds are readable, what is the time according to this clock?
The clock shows **10:20**
